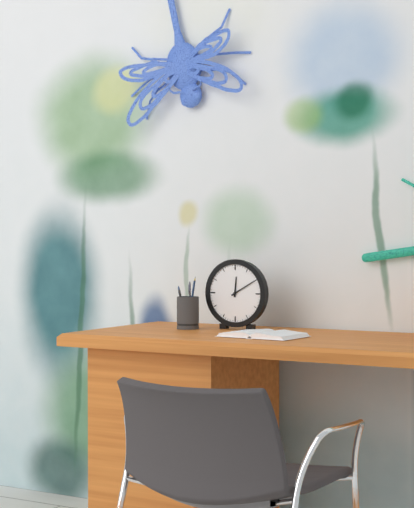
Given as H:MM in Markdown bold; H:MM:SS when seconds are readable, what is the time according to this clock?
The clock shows **12:10**
